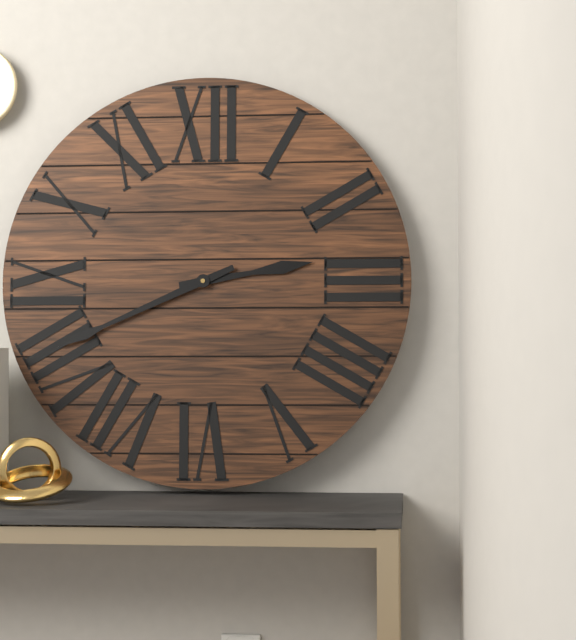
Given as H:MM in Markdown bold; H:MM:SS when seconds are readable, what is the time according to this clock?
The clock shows **2:41**
